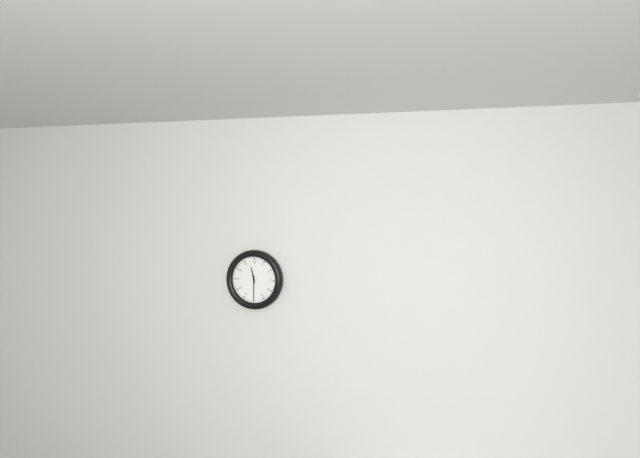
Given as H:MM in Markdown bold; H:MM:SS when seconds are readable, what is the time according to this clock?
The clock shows **11:30**
